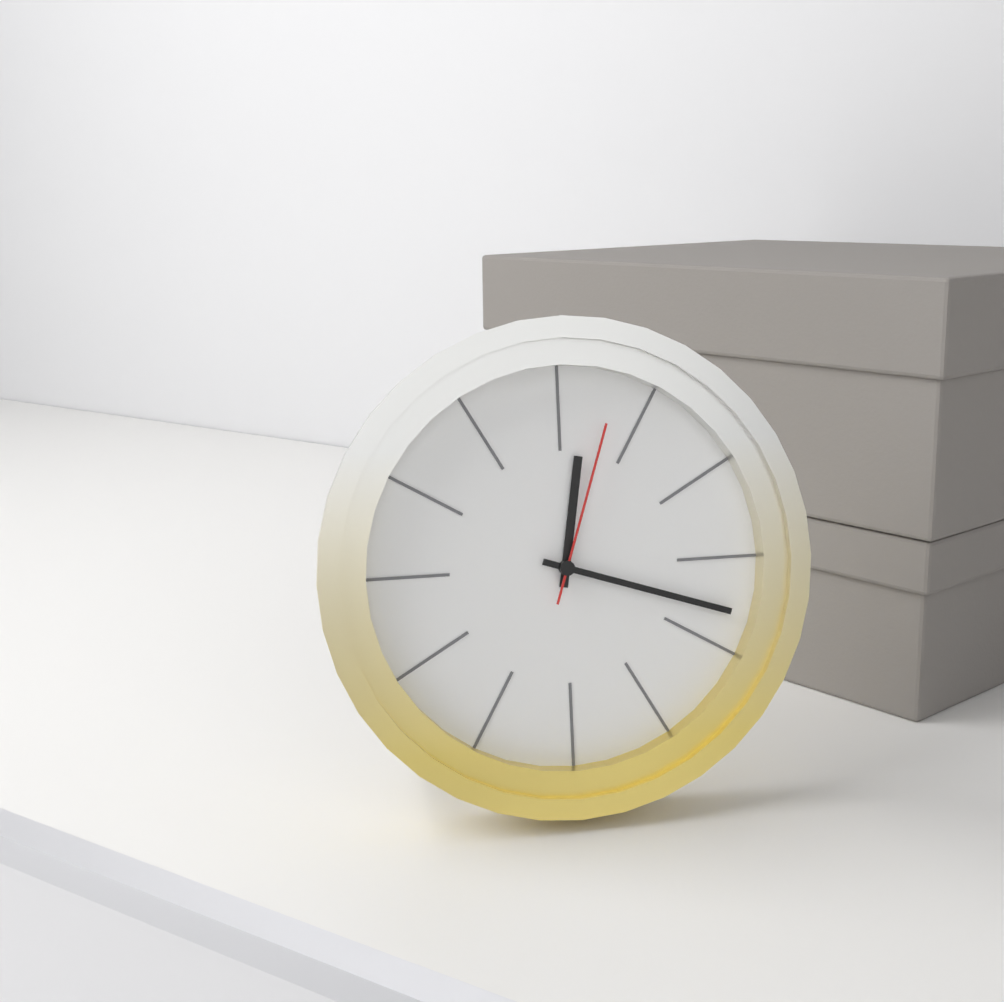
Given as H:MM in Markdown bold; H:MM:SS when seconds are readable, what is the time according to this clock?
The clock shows **12:18:03**
